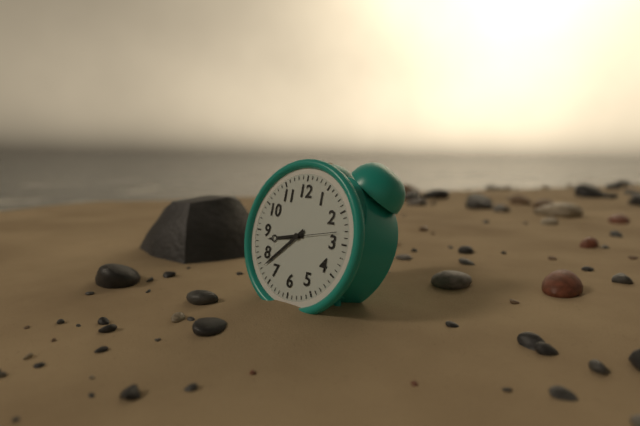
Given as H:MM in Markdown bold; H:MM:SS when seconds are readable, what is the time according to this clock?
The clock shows **8:38**
